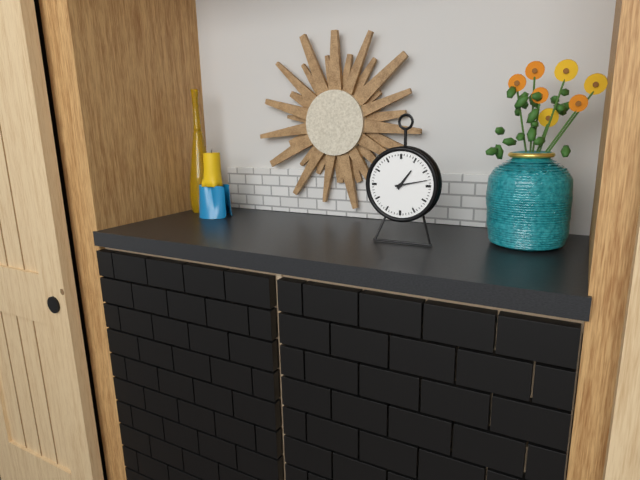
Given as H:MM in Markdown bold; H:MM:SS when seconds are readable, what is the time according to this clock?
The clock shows **1:13**
